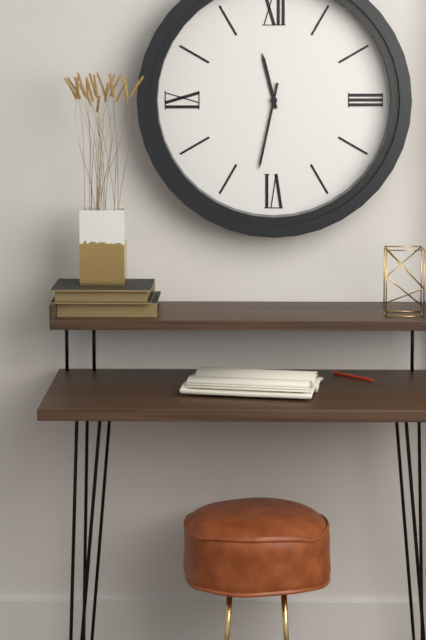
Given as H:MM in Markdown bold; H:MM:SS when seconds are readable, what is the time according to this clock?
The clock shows **11:32**
